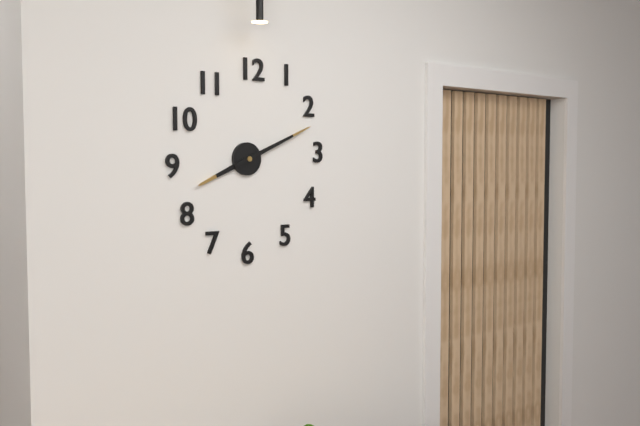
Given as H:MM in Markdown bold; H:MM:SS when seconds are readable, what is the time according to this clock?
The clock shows **8:11**
